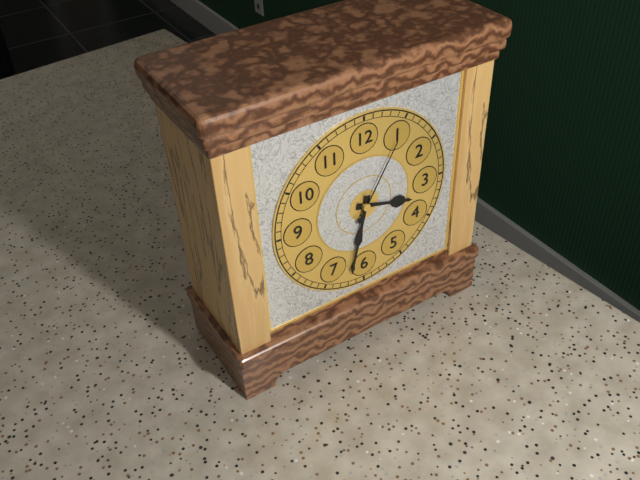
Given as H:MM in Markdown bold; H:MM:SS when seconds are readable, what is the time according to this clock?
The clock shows **3:32:05**
